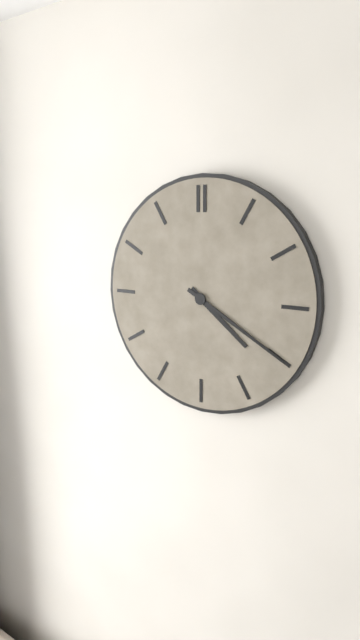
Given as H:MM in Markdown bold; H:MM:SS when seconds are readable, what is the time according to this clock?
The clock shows **4:20**
